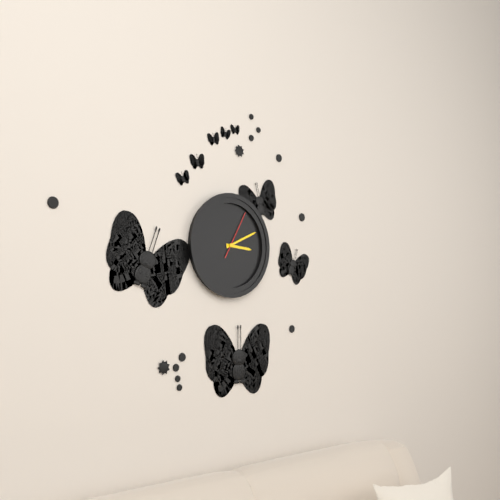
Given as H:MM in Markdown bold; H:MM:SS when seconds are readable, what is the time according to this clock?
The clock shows **3:11**
